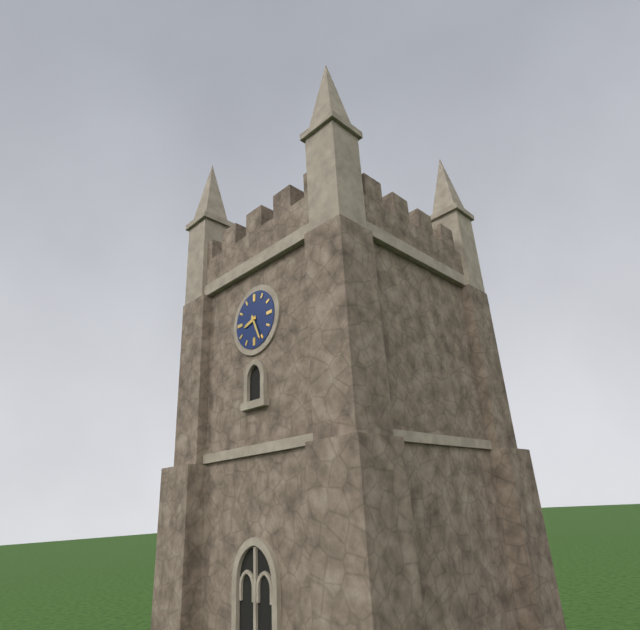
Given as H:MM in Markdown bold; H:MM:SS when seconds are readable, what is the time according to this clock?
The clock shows **8:26**
